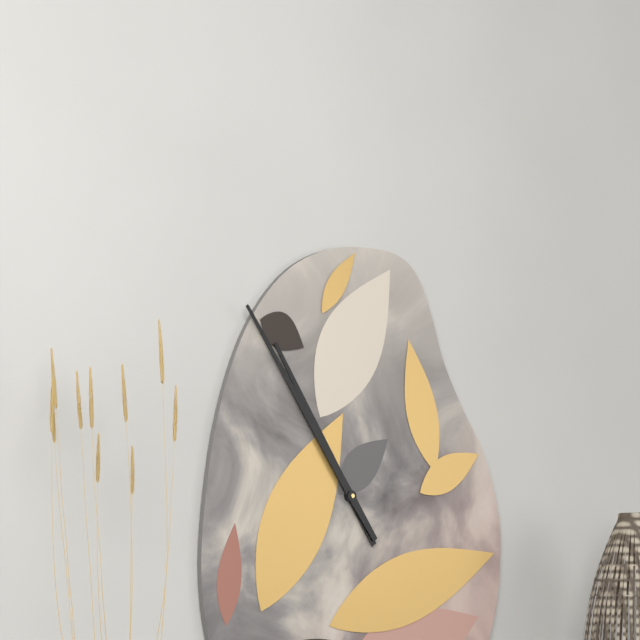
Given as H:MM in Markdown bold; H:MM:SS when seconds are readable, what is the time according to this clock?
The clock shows **10:54**
